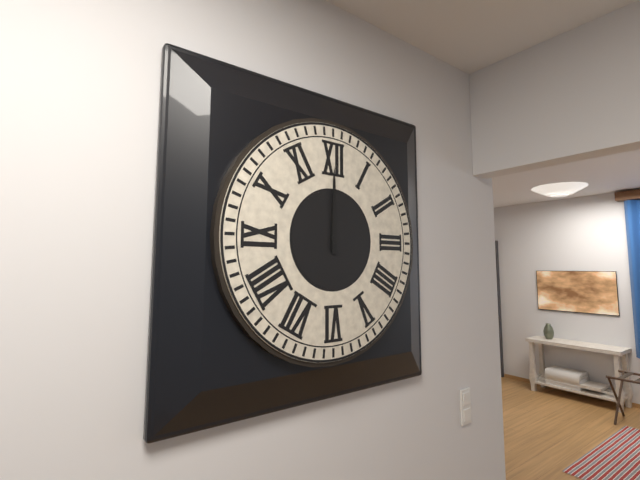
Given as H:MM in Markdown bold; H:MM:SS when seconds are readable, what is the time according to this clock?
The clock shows **12:00**
